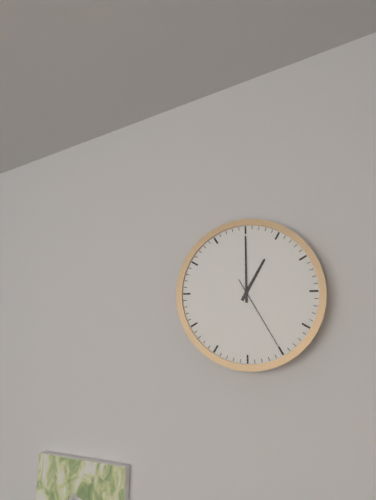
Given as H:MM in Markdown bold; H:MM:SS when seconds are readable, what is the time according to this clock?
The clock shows **1:00:25**
